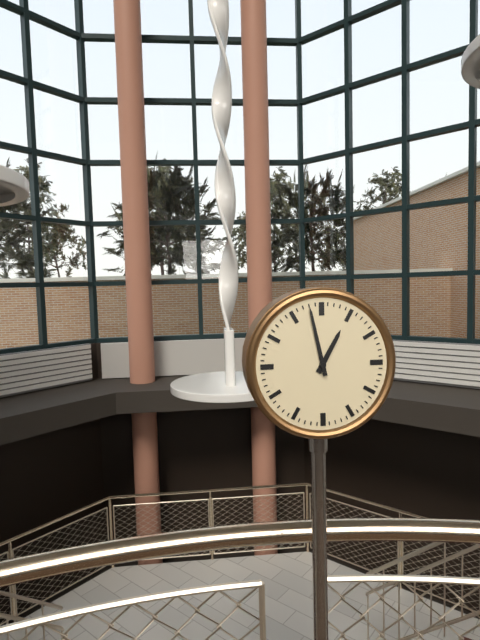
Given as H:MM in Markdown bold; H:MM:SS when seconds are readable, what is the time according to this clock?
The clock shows **12:58**
